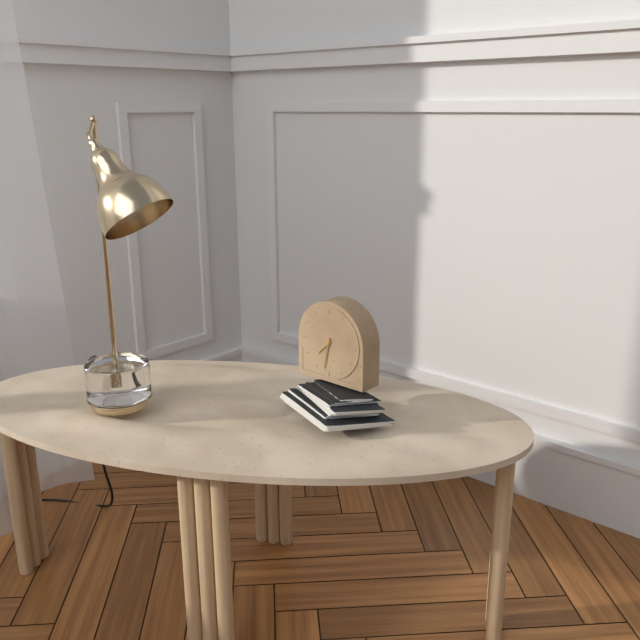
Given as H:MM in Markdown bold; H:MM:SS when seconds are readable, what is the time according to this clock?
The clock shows **7:32**
